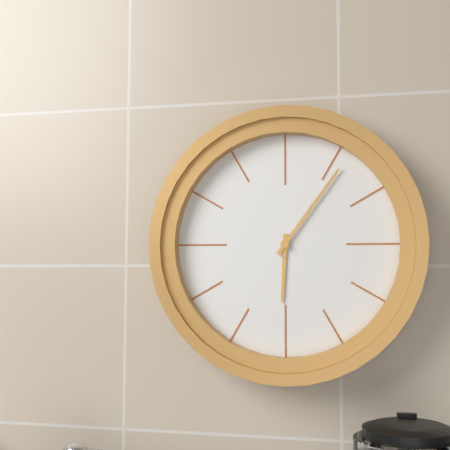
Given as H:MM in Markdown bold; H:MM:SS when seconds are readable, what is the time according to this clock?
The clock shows **6:06**
